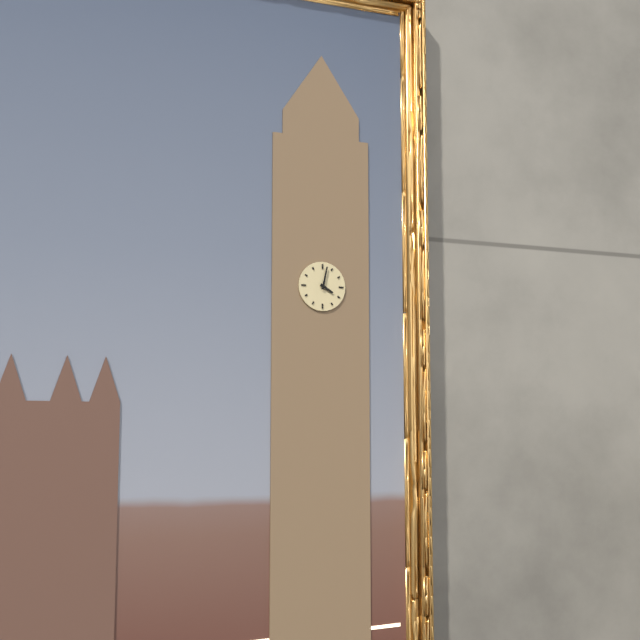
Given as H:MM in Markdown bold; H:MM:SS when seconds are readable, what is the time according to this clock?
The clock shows **4:02**
